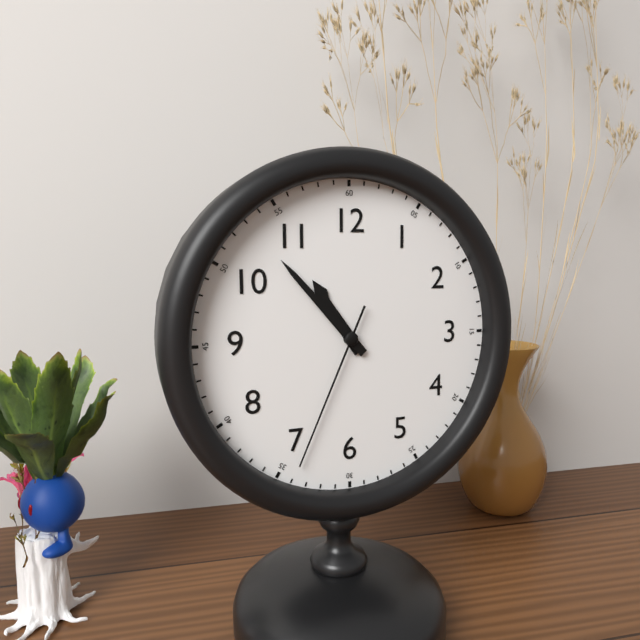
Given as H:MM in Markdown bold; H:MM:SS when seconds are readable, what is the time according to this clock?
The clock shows **10:53:34**
